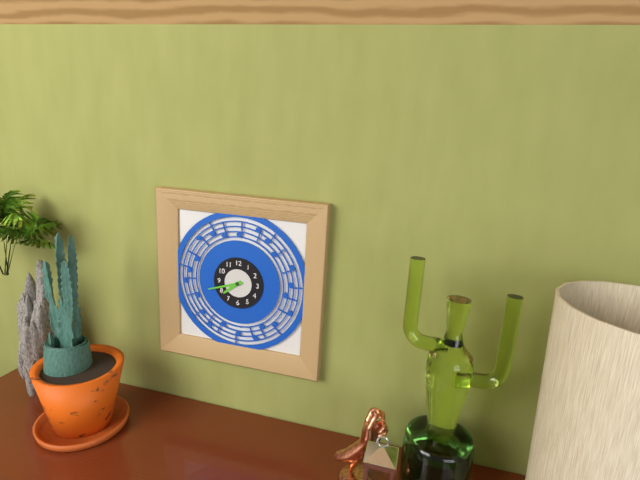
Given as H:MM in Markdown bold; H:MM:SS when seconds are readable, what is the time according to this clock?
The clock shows **7:42**
